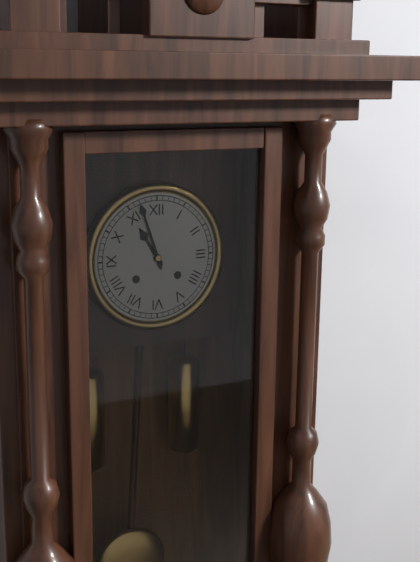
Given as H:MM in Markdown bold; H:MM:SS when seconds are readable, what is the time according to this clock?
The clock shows **10:57**
